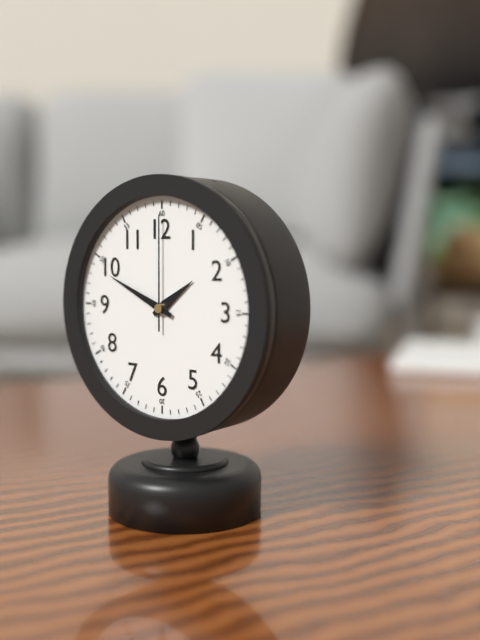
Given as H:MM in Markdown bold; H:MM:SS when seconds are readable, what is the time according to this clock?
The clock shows **1:49:00**
